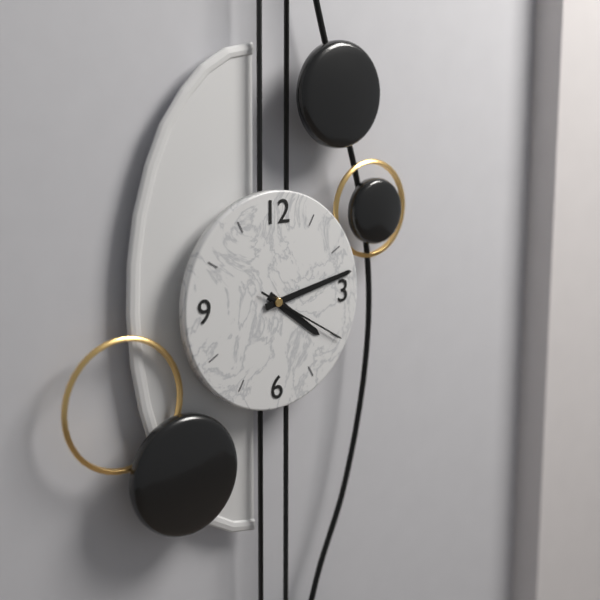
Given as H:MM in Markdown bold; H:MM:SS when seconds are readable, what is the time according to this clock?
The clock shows **4:13:20**
